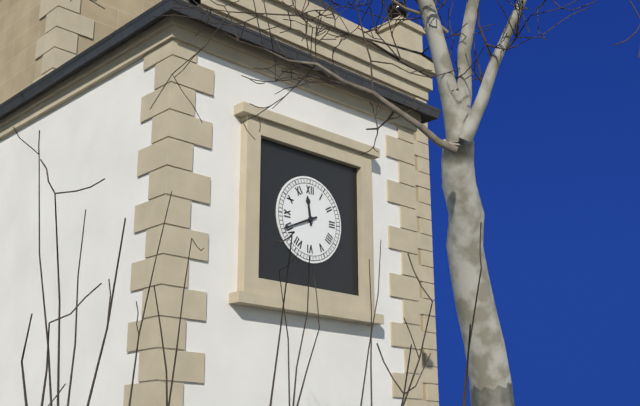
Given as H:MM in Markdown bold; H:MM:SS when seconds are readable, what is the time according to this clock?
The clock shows **11:41**
